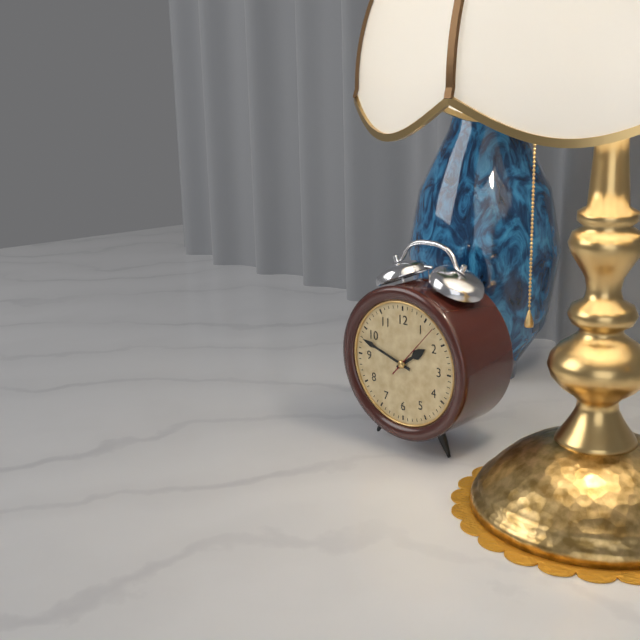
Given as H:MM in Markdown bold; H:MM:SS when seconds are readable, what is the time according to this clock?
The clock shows **1:48:07**
